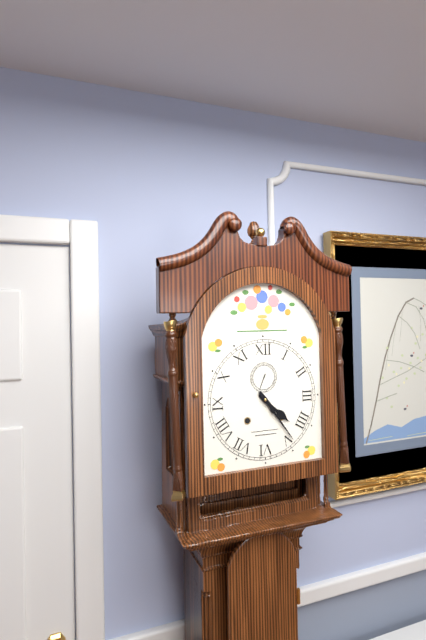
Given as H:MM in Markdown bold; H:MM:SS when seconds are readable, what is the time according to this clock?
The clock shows **4:24**
